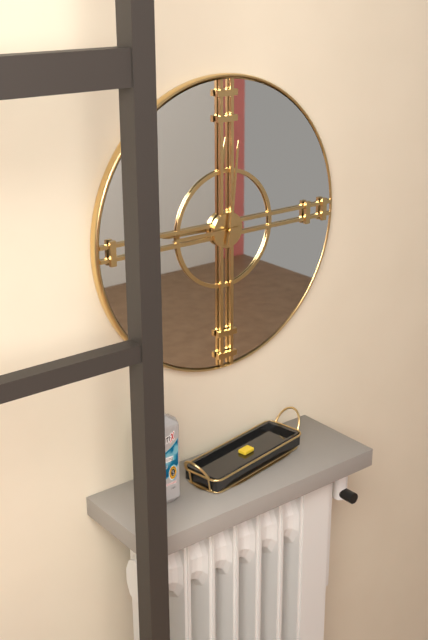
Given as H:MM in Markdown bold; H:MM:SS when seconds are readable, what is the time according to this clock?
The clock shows **9:01**
